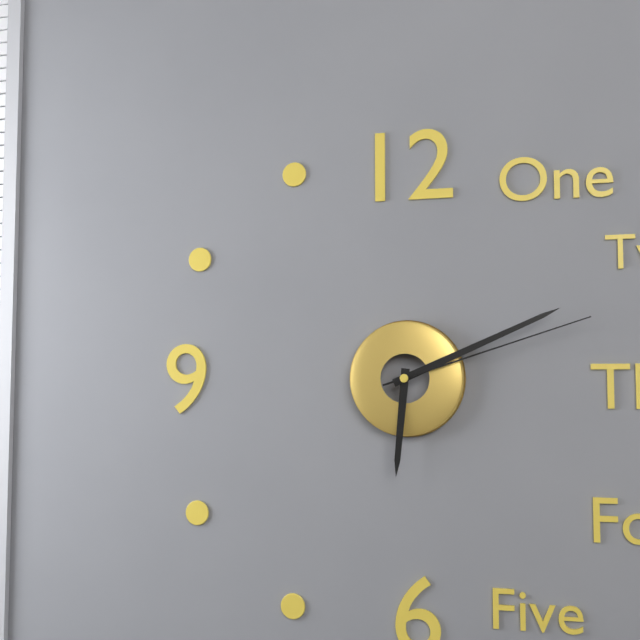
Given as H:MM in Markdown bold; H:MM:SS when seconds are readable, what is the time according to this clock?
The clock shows **6:11:12**
